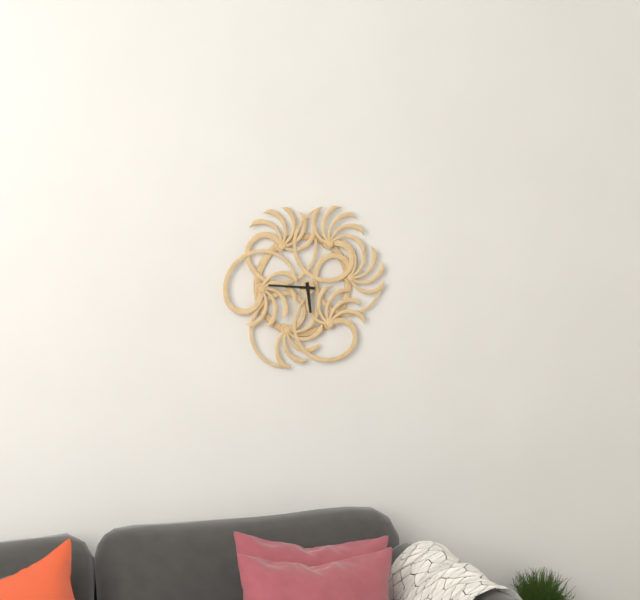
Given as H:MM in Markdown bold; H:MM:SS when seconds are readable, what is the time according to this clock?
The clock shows **5:46**
